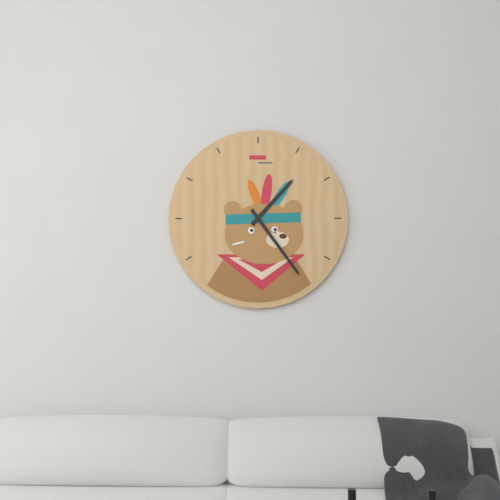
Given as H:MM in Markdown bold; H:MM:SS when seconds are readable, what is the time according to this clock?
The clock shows **1:24**
